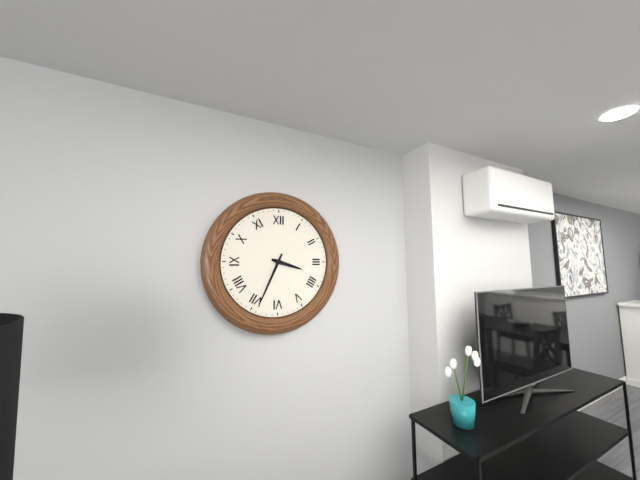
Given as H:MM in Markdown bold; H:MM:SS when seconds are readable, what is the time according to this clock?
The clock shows **3:34**
